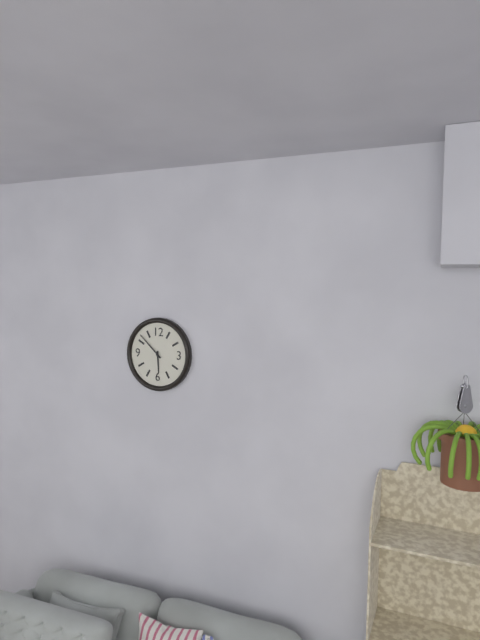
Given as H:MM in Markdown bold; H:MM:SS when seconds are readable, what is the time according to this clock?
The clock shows **5:52**
